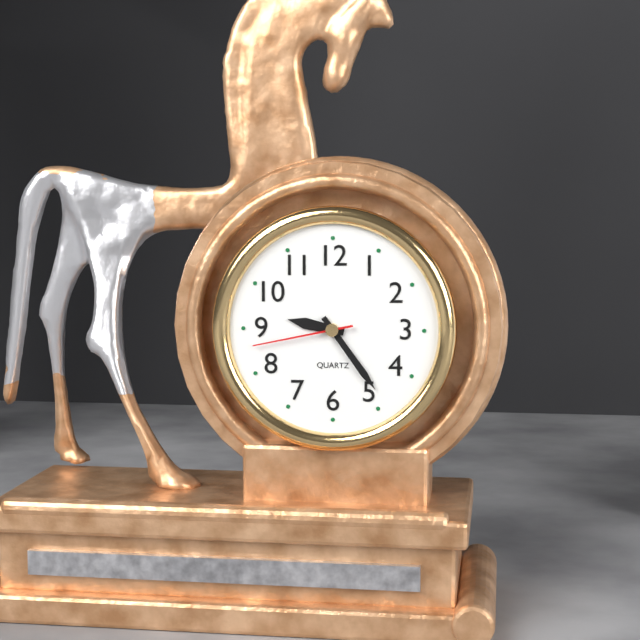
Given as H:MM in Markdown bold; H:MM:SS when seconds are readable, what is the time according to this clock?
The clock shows **9:24:43**
